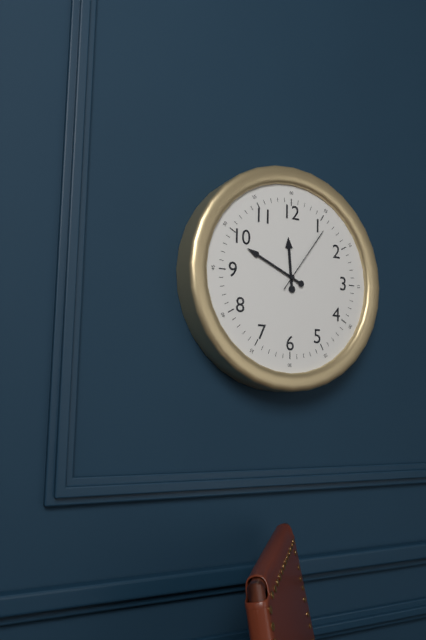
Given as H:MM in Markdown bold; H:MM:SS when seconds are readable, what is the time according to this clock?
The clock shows **11:49:06**
